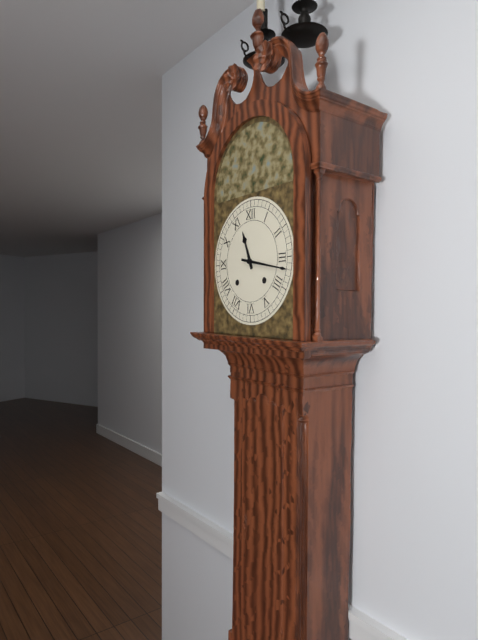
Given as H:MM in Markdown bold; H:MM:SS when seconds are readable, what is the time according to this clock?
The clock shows **11:17**
